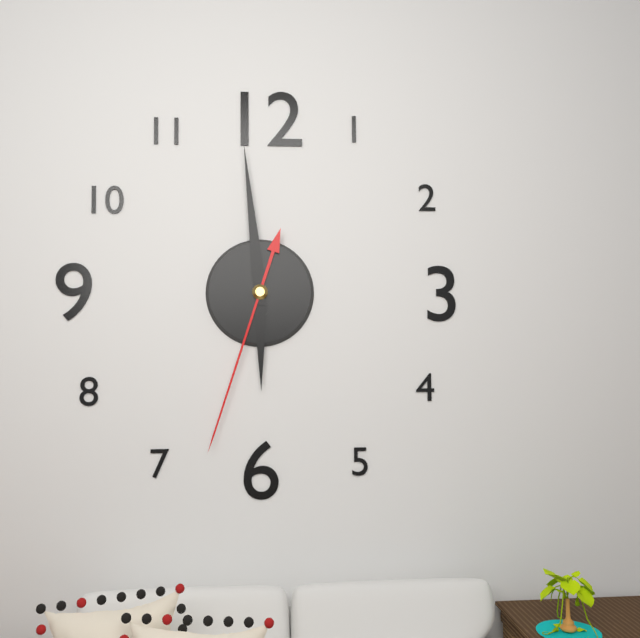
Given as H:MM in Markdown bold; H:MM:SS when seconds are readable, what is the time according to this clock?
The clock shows **5:59:33**
